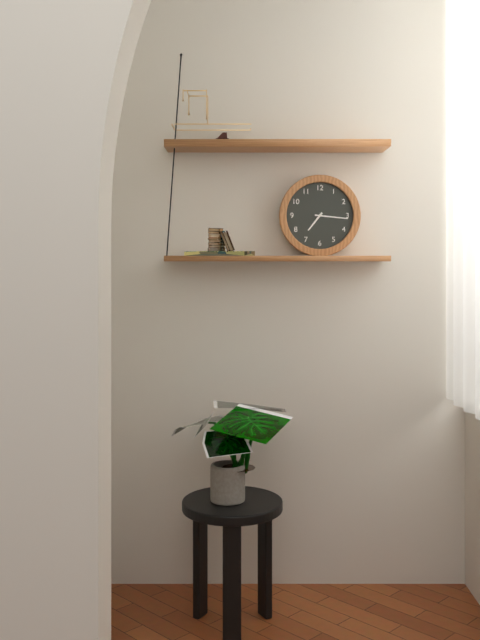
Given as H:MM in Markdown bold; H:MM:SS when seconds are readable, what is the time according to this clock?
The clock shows **7:16**
